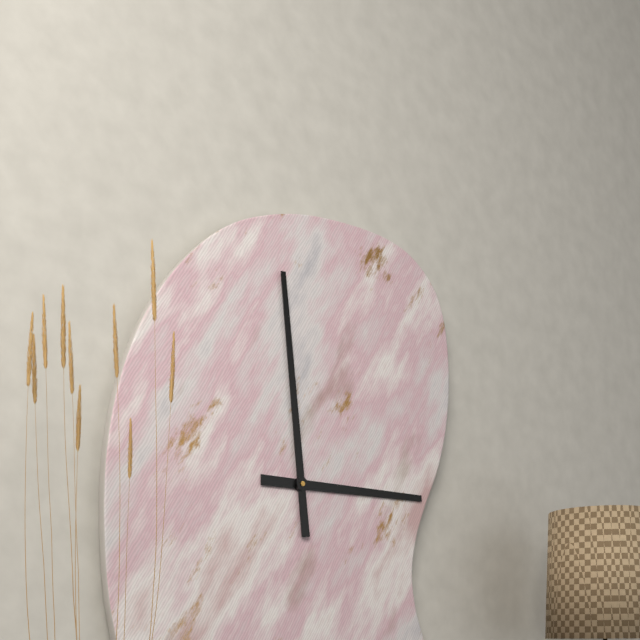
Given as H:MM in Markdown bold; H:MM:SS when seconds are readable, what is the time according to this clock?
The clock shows **2:59**
